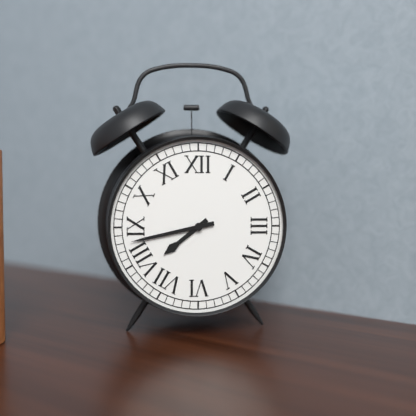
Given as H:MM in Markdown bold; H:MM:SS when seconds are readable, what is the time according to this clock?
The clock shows **7:43**
